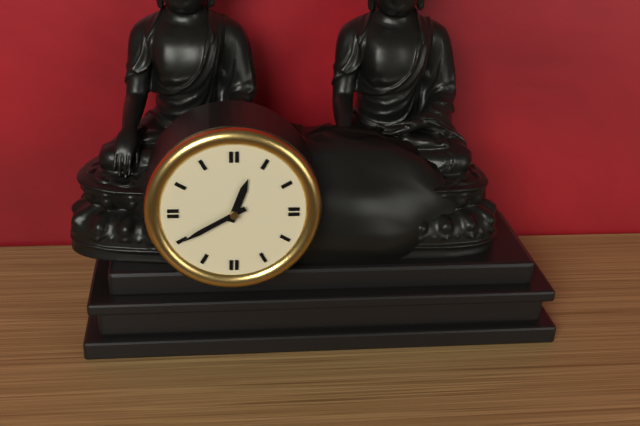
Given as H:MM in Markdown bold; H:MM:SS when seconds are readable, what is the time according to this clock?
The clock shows **12:40**
